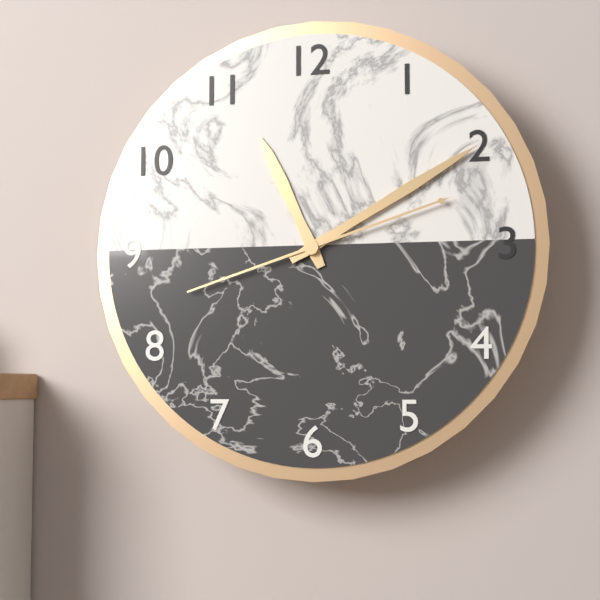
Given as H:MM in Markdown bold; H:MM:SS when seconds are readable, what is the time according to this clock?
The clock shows **11:10:12**
